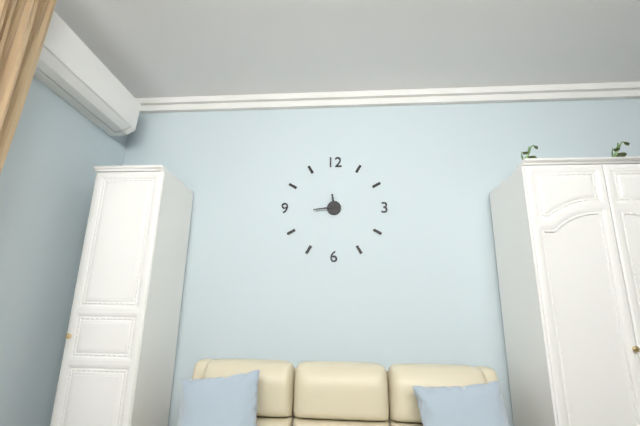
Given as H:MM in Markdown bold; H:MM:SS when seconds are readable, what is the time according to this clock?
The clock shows **11:44**
